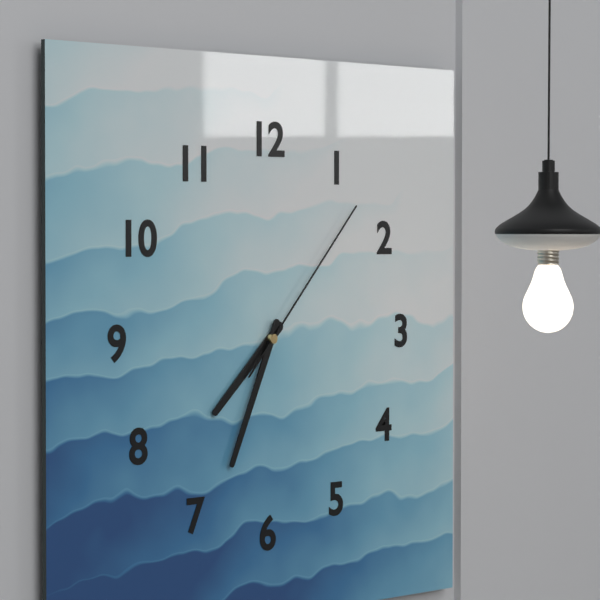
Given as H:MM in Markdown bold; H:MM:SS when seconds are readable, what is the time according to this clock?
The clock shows **7:34:07**
